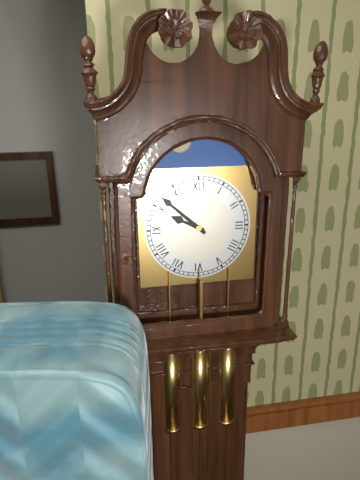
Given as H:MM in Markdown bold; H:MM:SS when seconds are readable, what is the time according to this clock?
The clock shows **9:52**
